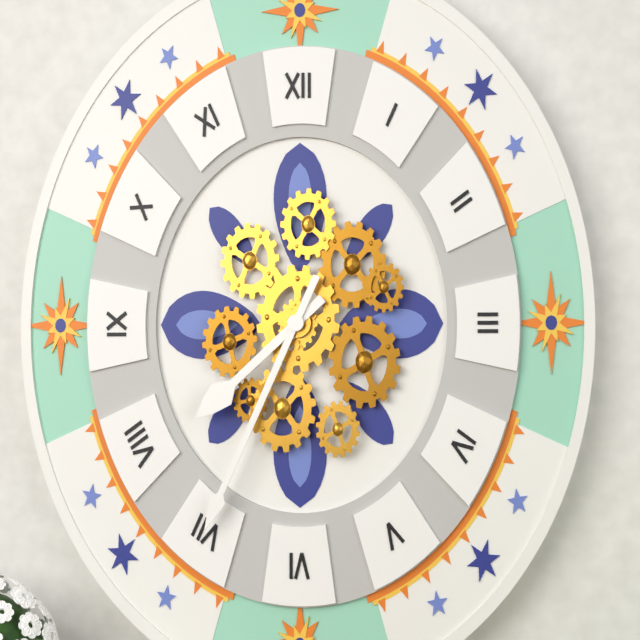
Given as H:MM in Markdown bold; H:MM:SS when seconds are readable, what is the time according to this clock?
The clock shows **7:34**
